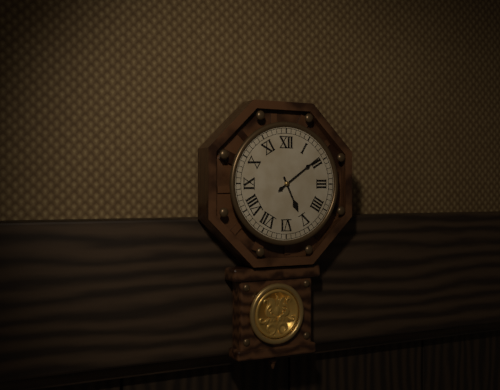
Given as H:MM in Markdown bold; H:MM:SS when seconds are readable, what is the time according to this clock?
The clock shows **5:09**
